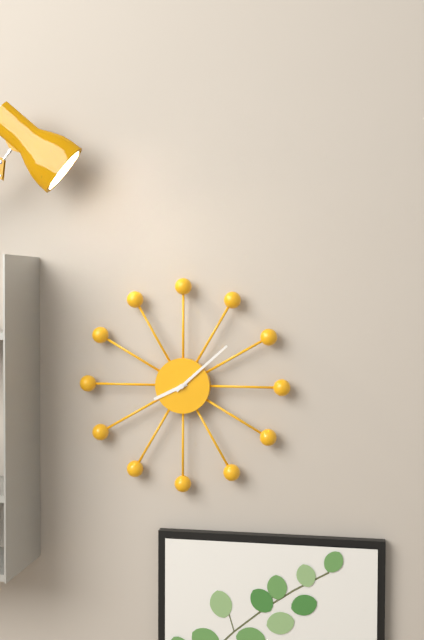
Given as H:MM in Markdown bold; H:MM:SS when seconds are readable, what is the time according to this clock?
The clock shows **8:08**
